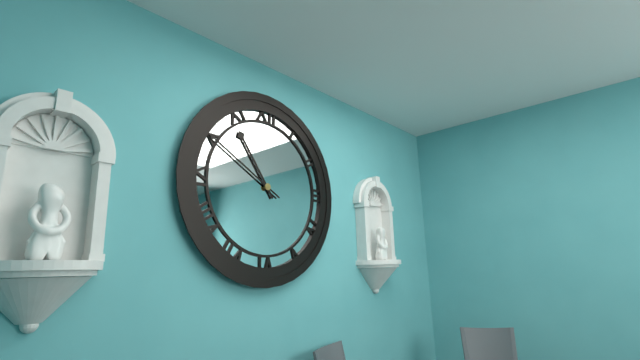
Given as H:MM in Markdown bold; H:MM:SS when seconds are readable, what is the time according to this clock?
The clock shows **10:50**
